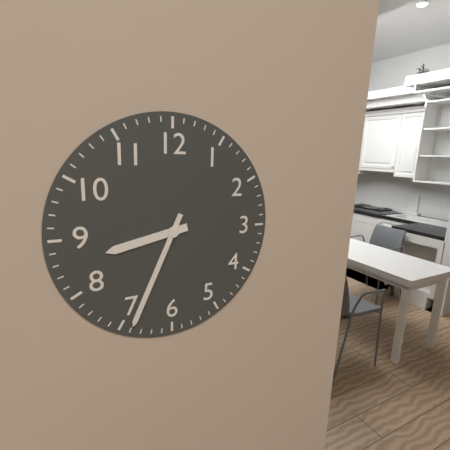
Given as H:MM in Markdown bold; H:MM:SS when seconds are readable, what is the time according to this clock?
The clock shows **8:34**
